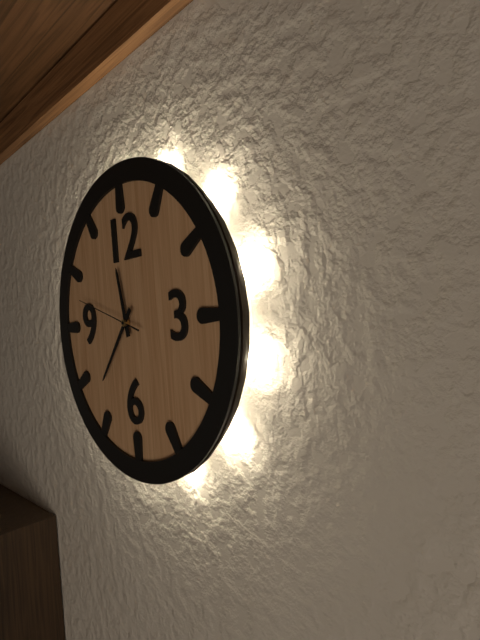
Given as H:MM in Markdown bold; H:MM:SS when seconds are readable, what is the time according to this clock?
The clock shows **11:37:48**
